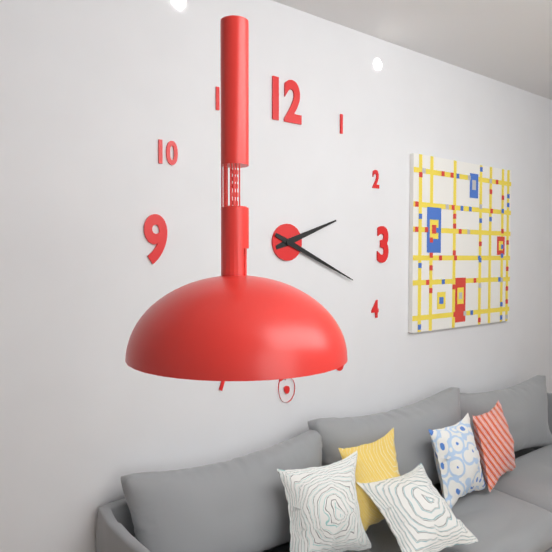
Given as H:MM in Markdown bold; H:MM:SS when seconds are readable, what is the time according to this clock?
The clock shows **2:19**
